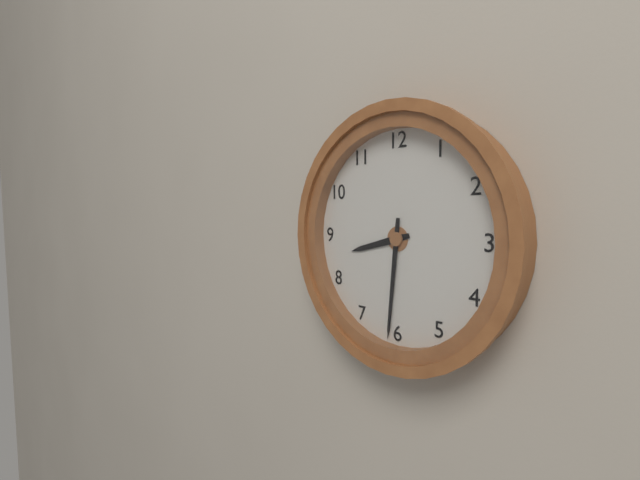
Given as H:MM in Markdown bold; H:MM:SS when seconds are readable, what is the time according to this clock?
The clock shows **8:31**
